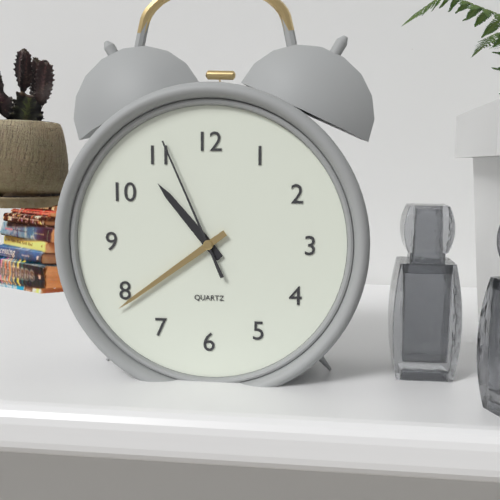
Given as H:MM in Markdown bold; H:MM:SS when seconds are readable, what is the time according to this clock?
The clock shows **10:39:56**
